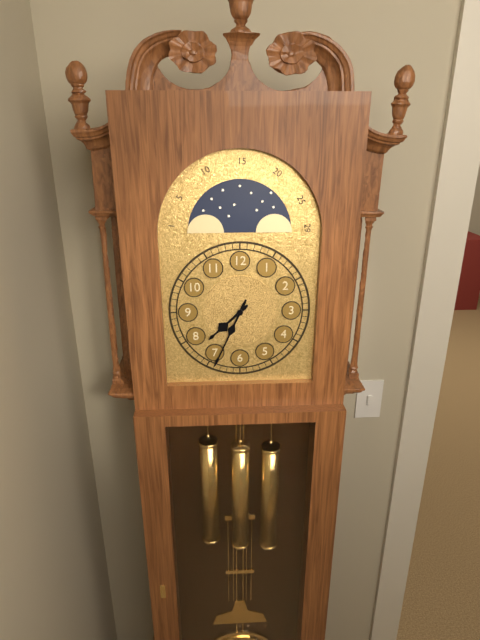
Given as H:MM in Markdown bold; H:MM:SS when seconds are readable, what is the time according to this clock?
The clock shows **7:34**
